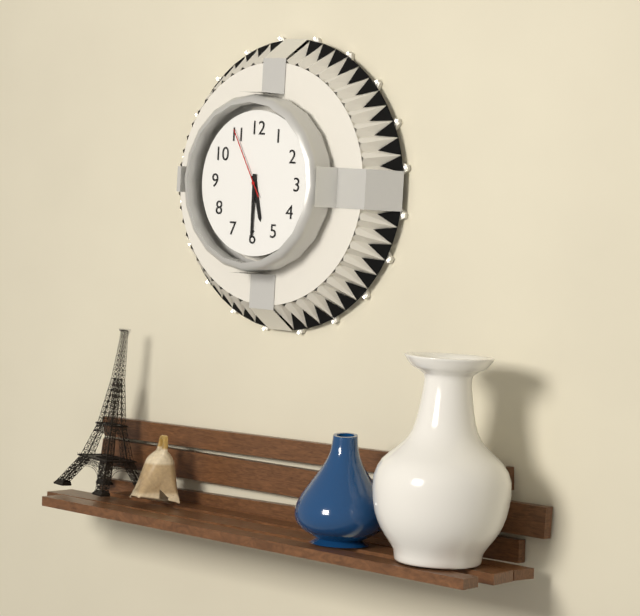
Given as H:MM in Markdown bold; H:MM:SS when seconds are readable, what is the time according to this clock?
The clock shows **5:30:55**
